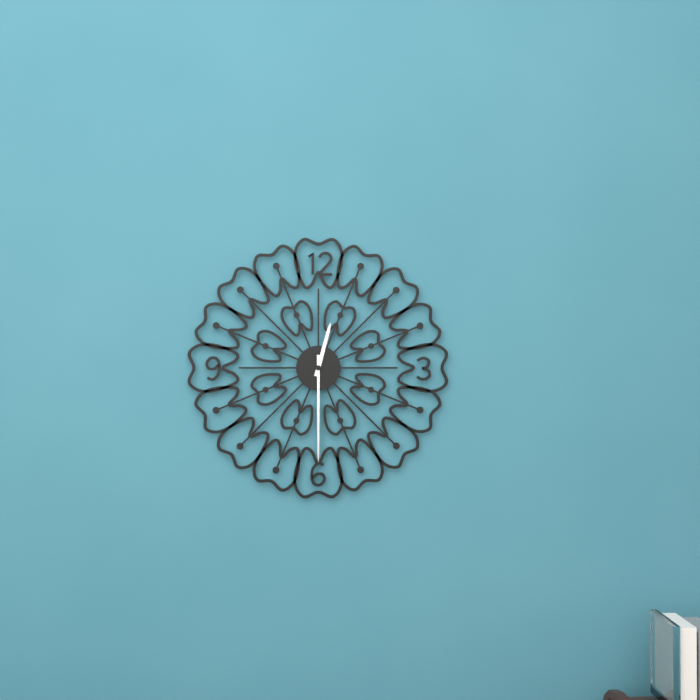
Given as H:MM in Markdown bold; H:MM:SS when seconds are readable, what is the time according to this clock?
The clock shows **12:30**
